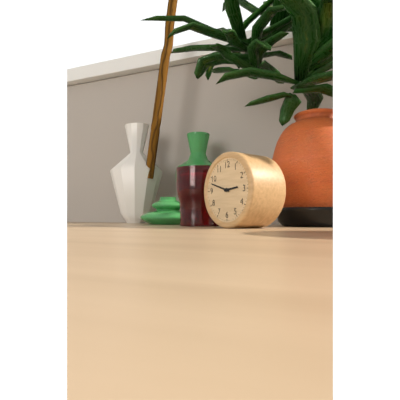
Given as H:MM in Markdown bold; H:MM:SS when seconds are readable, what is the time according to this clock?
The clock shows **2:48**
